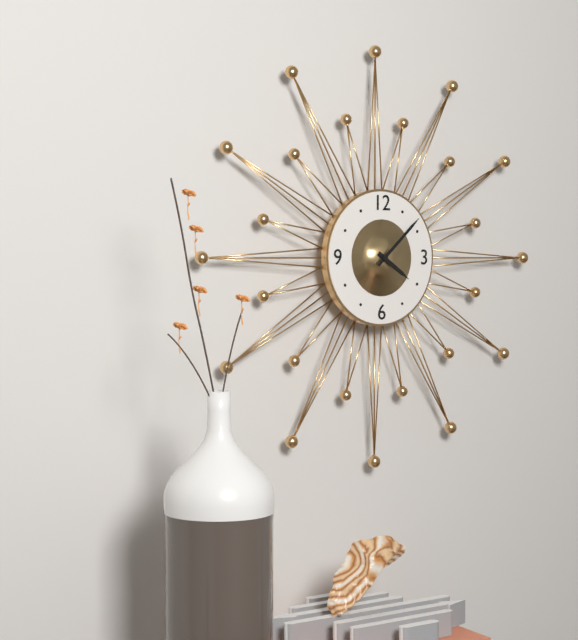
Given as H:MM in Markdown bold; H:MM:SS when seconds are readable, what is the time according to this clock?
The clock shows **4:08**
